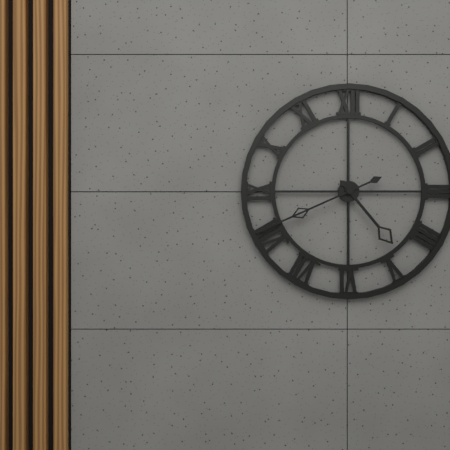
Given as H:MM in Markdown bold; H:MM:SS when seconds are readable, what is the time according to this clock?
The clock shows **4:41**
